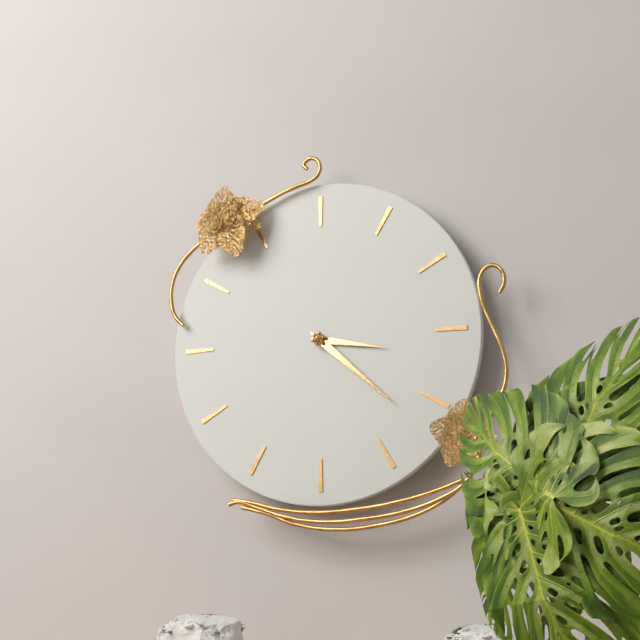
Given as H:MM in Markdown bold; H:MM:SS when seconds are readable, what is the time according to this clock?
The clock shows **3:22**
